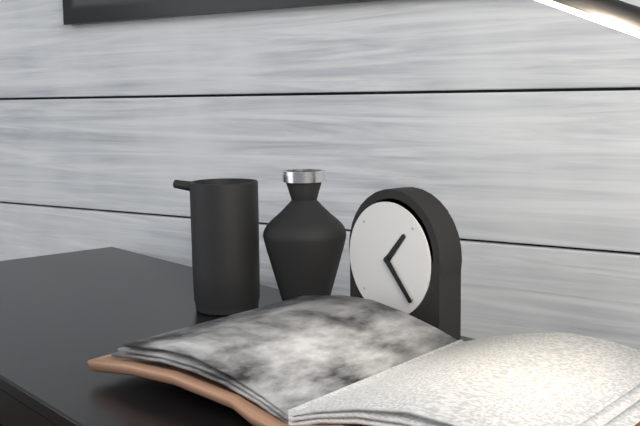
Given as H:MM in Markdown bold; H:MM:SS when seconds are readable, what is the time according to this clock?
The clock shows **1:23**
